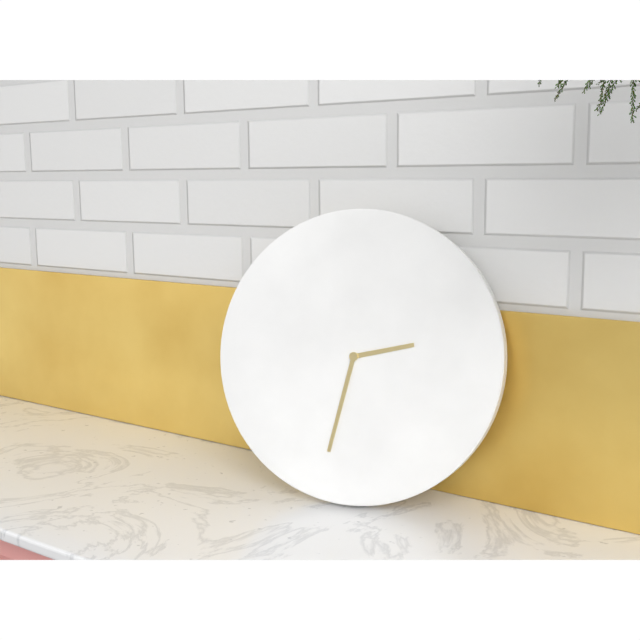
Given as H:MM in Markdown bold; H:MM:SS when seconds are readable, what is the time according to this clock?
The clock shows **2:32**
